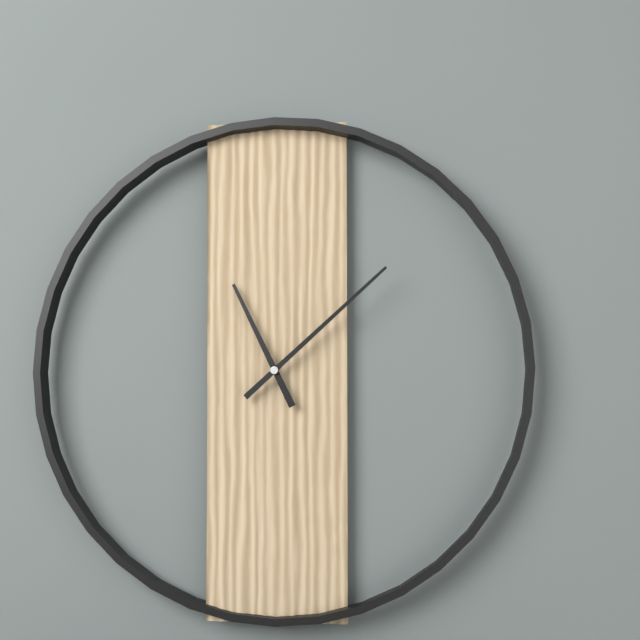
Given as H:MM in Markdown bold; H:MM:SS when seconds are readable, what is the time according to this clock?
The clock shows **11:08**
